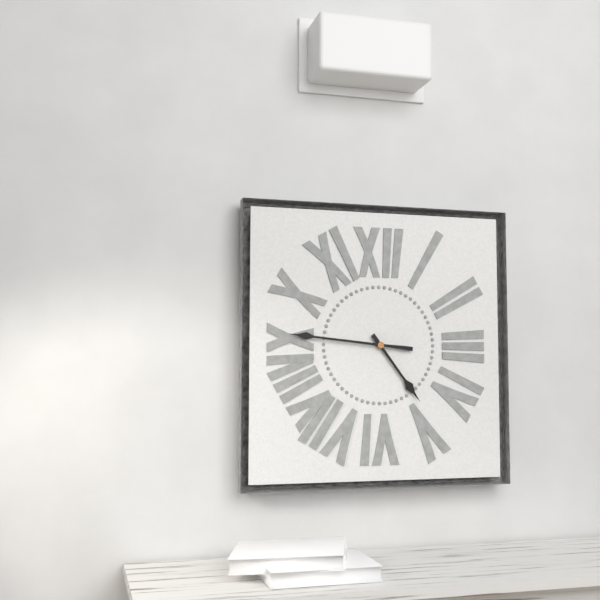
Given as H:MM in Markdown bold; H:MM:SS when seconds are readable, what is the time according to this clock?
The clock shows **4:46**
